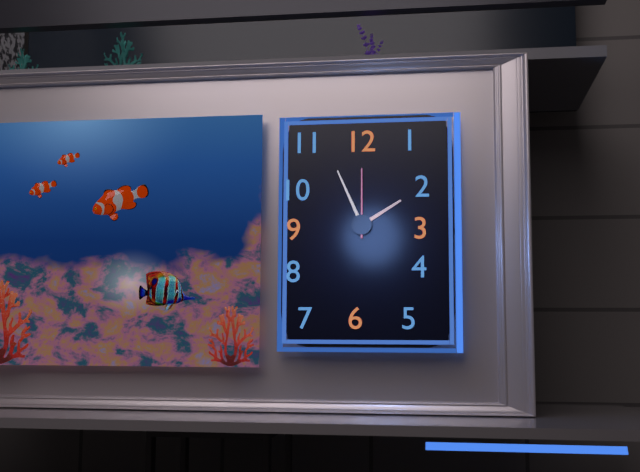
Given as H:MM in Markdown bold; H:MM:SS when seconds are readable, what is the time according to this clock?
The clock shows **1:56:00**
